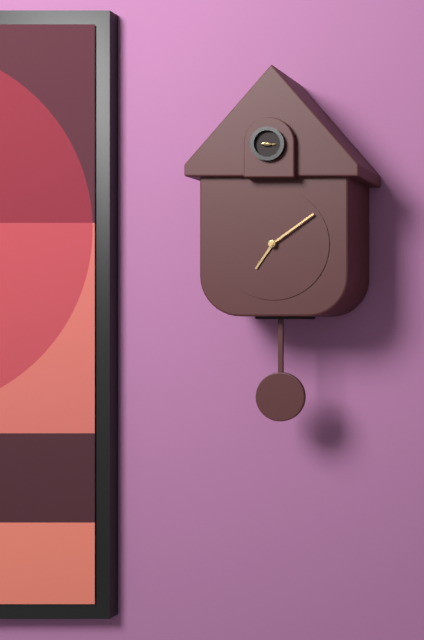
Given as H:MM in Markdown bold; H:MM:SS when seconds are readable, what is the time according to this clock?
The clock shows **7:09**
